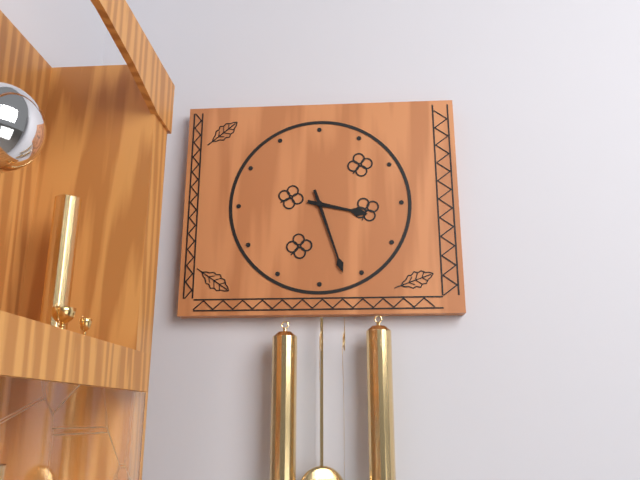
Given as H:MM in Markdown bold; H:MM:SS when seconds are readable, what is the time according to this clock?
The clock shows **3:27**
